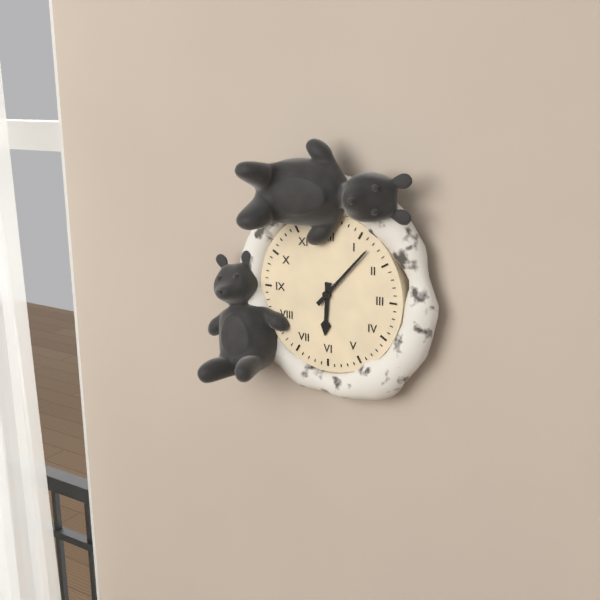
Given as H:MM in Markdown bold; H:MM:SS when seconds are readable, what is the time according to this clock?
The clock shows **6:07**
